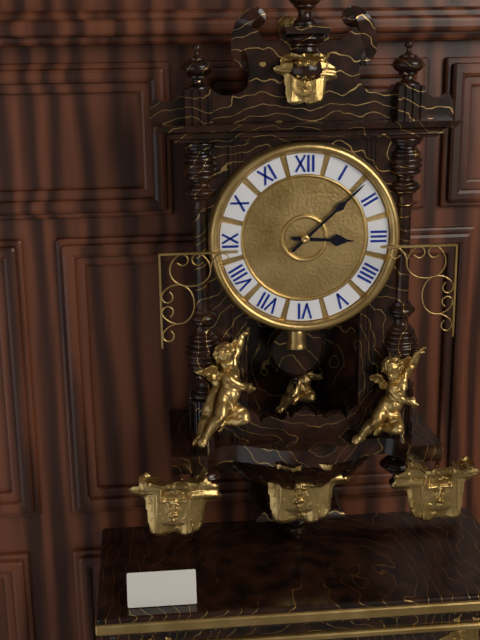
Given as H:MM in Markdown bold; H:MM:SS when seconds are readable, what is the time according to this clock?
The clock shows **3:08**
